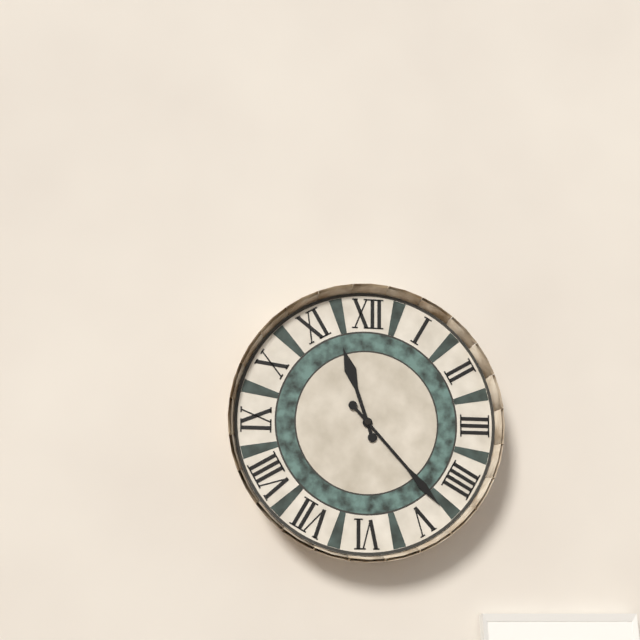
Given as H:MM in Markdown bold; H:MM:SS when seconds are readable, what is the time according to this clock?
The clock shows **11:23**
